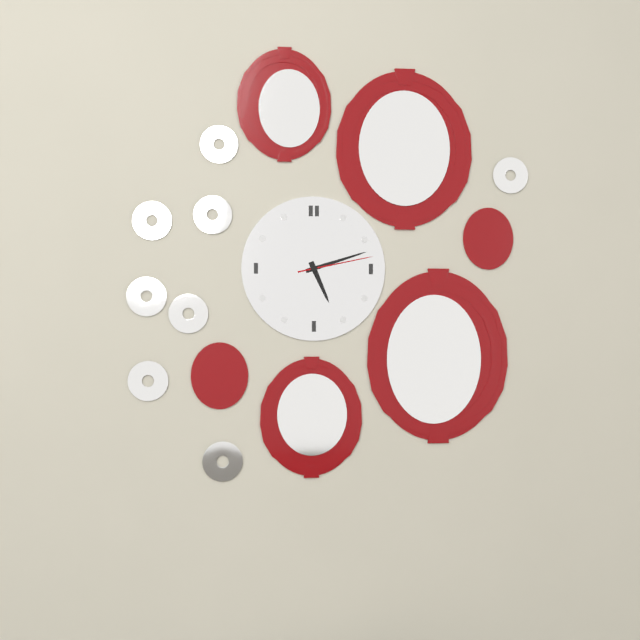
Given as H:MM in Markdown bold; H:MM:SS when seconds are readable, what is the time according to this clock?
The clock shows **5:12:13**
